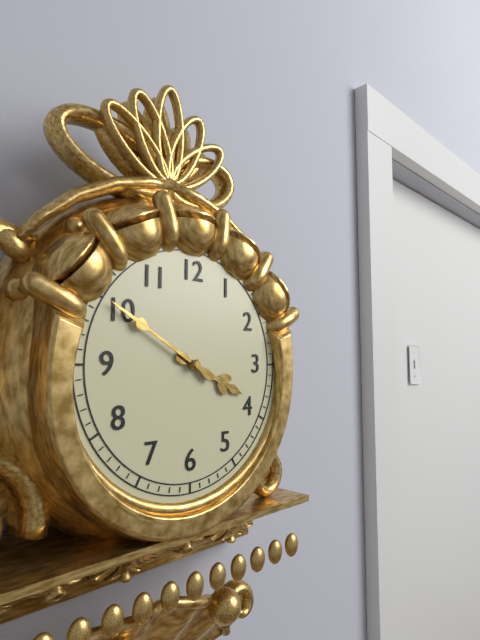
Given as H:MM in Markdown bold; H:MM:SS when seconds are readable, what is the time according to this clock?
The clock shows **3:50**
